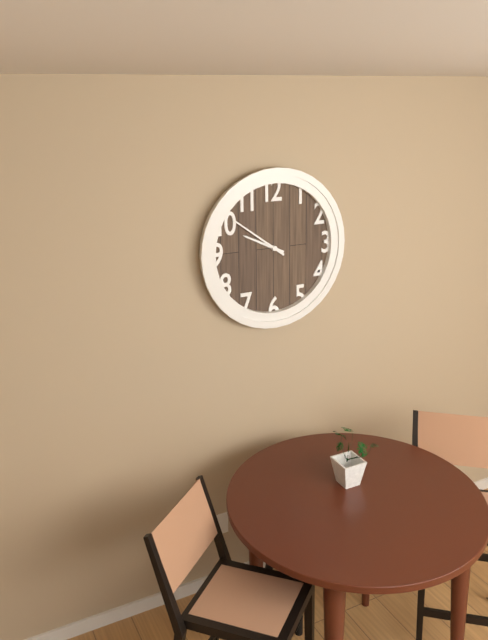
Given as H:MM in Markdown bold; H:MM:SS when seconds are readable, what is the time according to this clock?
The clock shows **9:51**
